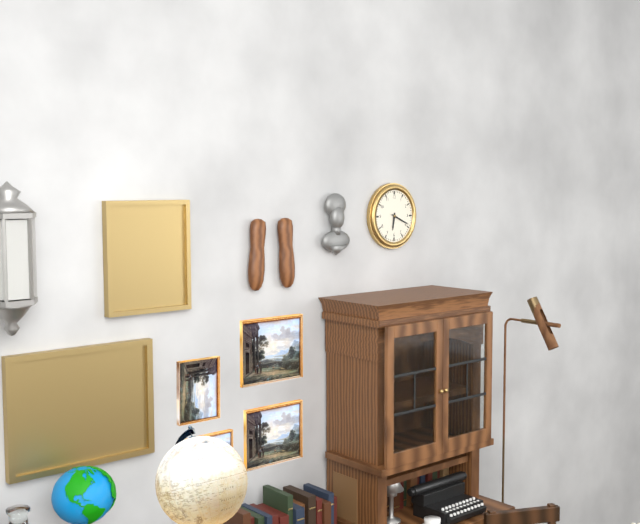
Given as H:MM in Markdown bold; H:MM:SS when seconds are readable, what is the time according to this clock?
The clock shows **6:19**
